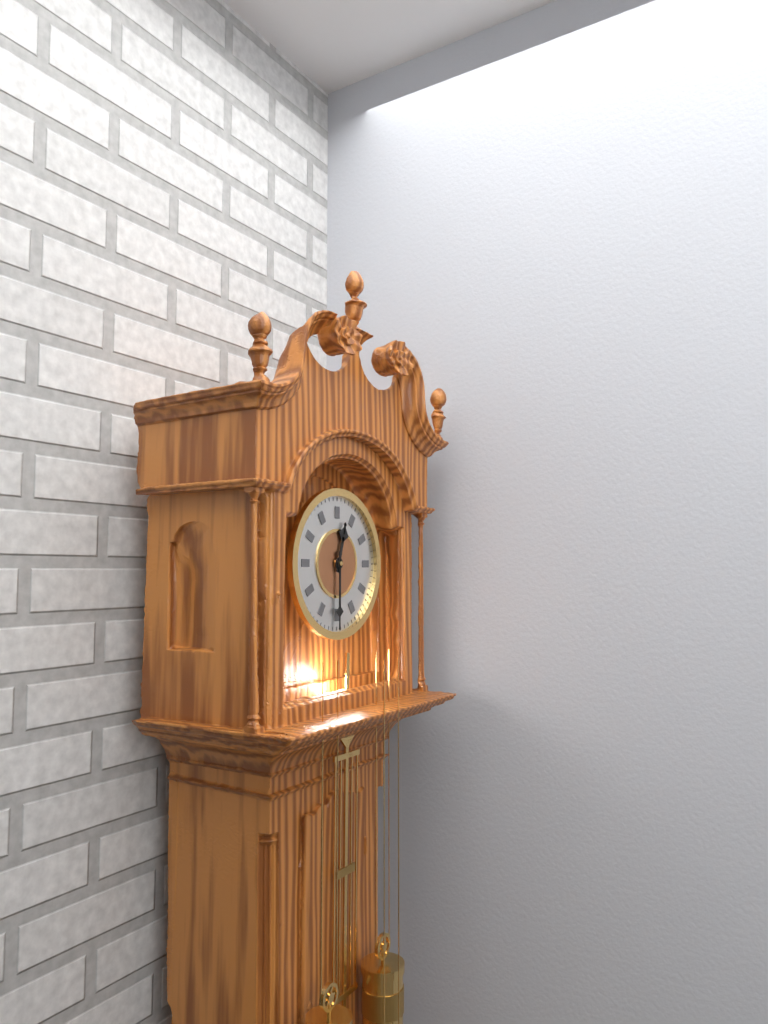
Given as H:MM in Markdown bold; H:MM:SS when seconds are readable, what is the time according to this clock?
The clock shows **12:30**
